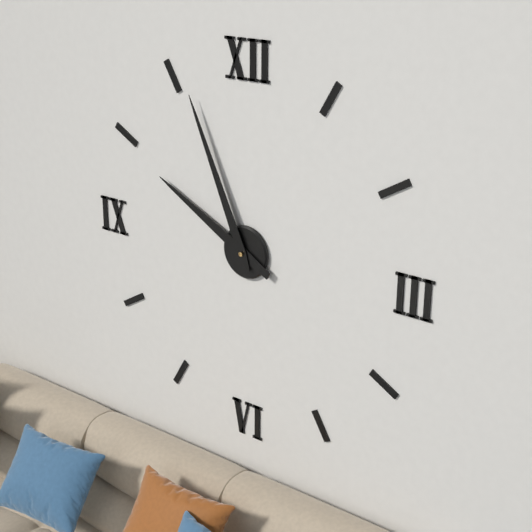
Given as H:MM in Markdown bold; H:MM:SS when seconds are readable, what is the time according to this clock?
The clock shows **9:56**
